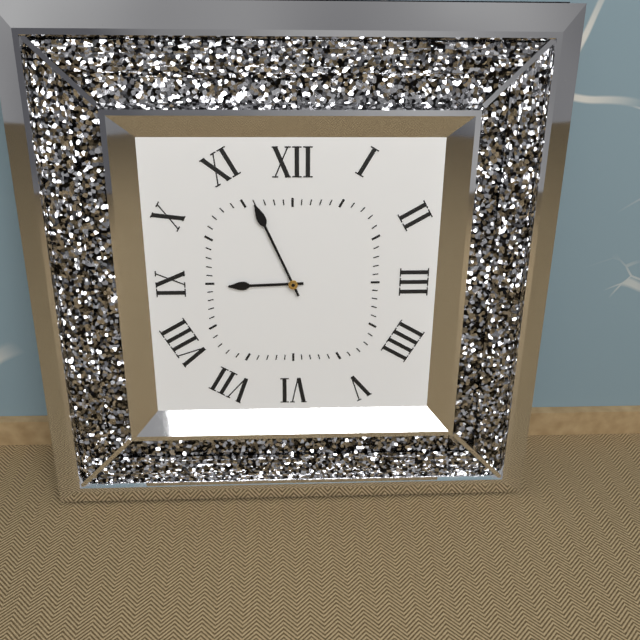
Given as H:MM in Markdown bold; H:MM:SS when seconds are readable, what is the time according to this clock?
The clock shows **8:56**
